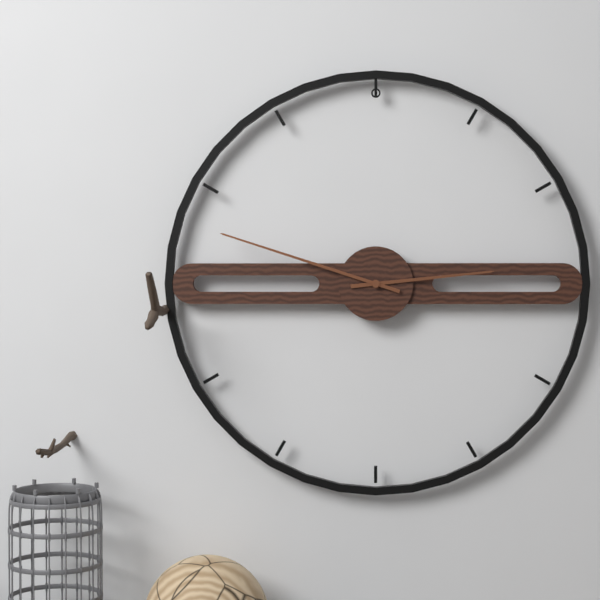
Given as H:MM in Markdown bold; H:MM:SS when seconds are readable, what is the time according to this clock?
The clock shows **2:48**
